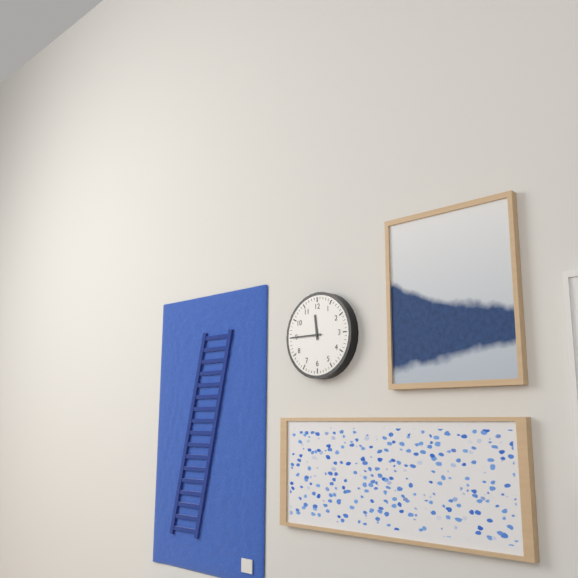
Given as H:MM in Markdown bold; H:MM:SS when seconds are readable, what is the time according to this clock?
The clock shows **11:45**
